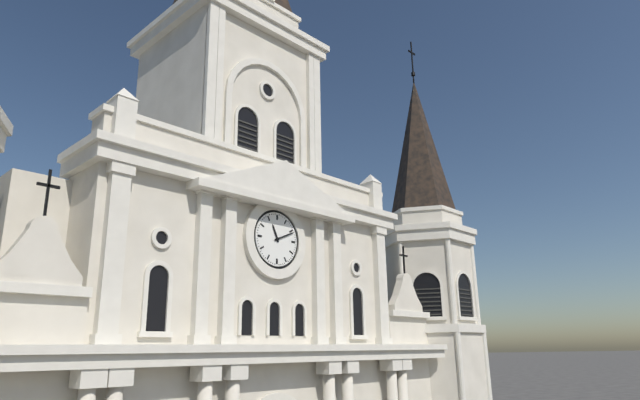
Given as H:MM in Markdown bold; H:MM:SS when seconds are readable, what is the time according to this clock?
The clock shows **11:11**
